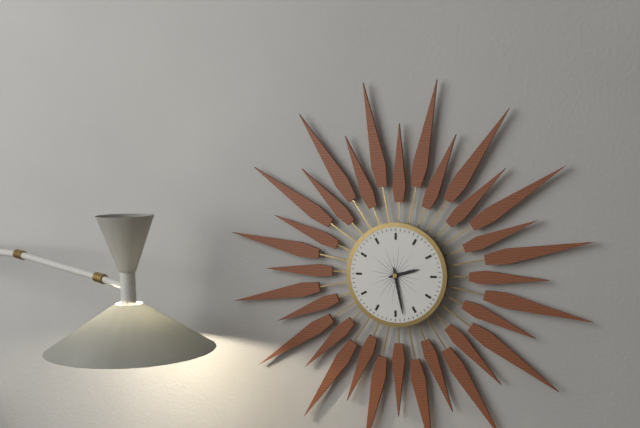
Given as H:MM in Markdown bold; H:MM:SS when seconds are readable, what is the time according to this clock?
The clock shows **2:28**
